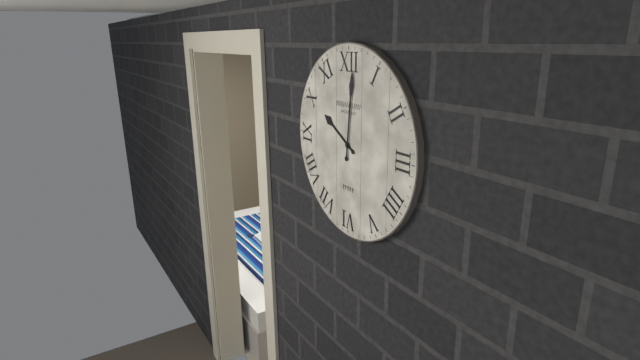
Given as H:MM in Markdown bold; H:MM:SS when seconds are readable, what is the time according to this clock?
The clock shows **10:01**
